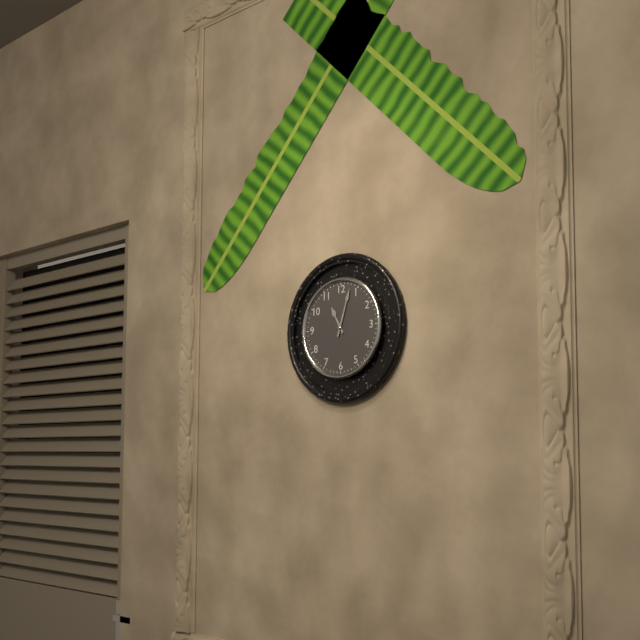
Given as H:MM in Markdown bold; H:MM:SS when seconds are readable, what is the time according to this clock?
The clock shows **11:03**
